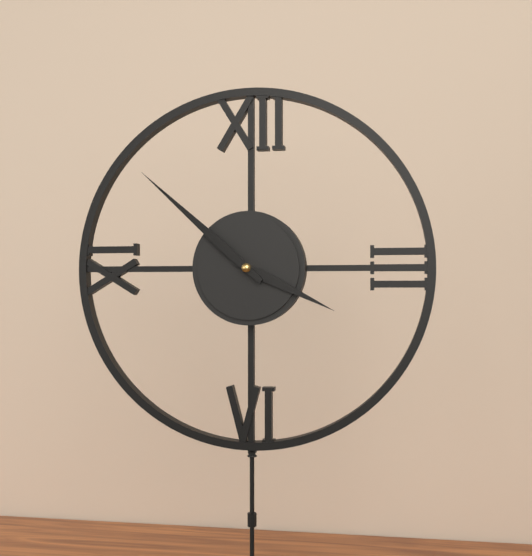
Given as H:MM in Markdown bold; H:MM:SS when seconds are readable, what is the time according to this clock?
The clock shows **3:52**
